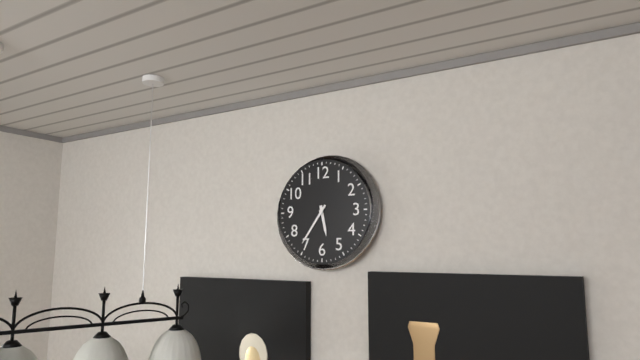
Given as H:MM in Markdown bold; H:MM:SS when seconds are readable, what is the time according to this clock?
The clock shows **5:36**
